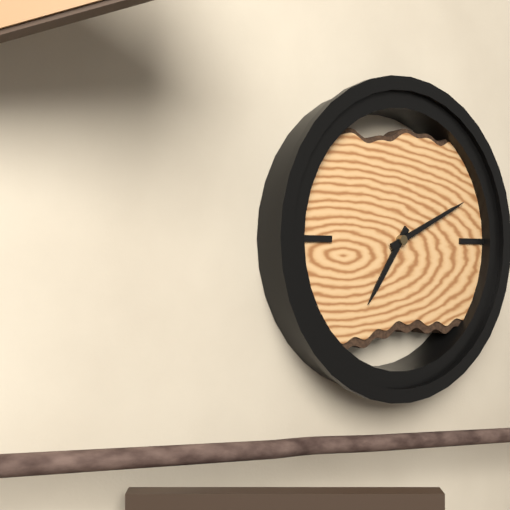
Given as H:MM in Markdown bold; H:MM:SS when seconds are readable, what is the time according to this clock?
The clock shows **7:11**
